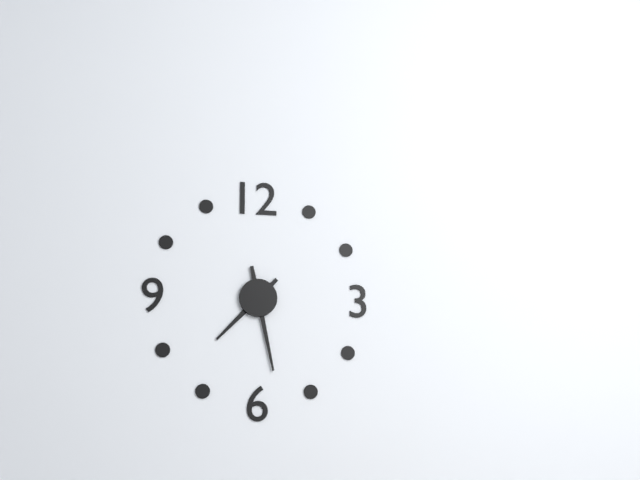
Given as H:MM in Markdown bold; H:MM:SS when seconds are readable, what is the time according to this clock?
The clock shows **7:28**
